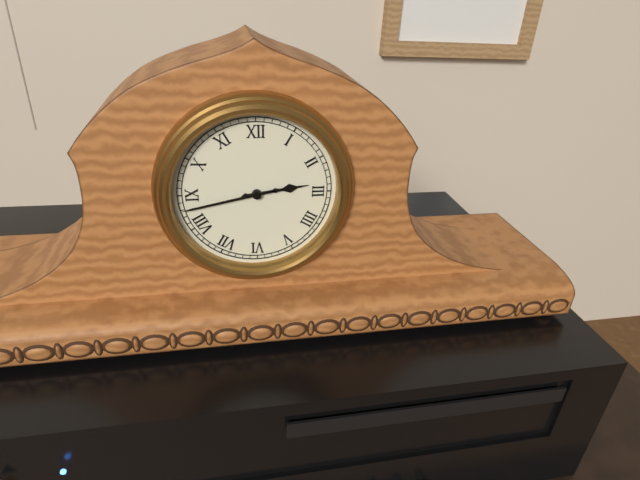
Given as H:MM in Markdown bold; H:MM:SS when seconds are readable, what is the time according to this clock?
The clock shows **2:43**
